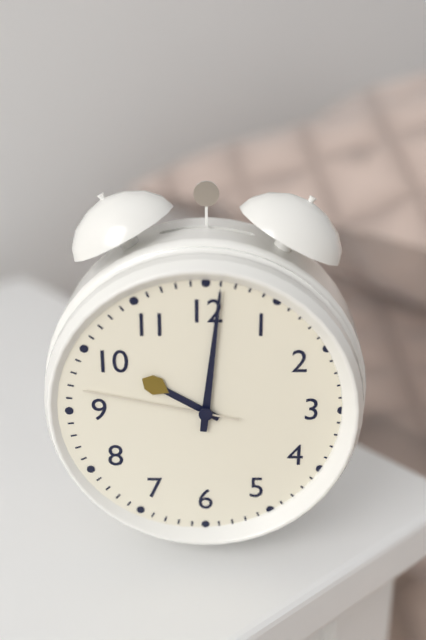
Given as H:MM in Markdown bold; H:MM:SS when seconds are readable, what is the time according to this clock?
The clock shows **10:01:47**
